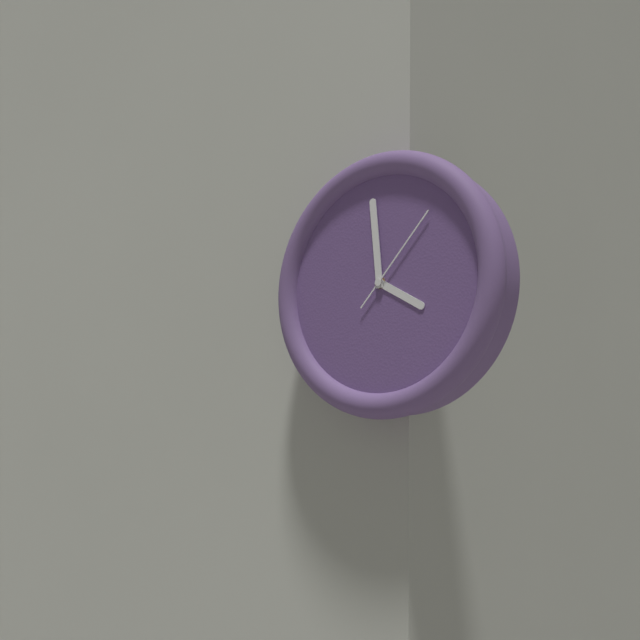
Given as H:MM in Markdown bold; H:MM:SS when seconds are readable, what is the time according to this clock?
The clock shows **3:59:07**
